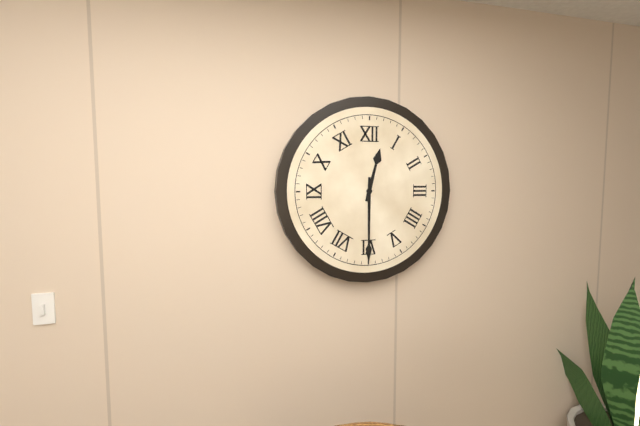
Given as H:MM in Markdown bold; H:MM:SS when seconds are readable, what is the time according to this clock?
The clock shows **12:30**
